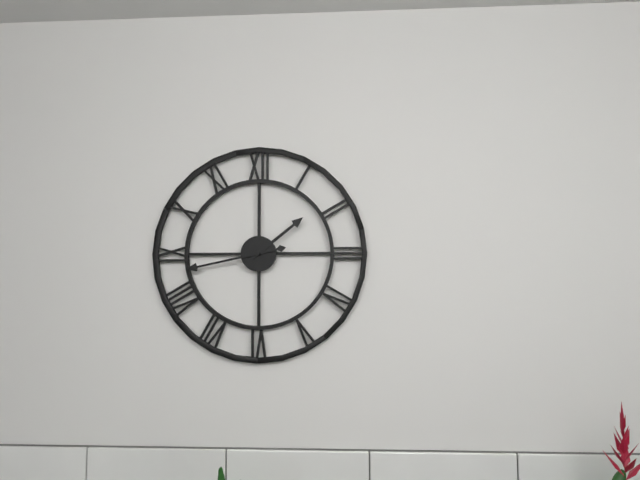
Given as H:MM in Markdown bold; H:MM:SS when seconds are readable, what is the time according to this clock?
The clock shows **1:43**
